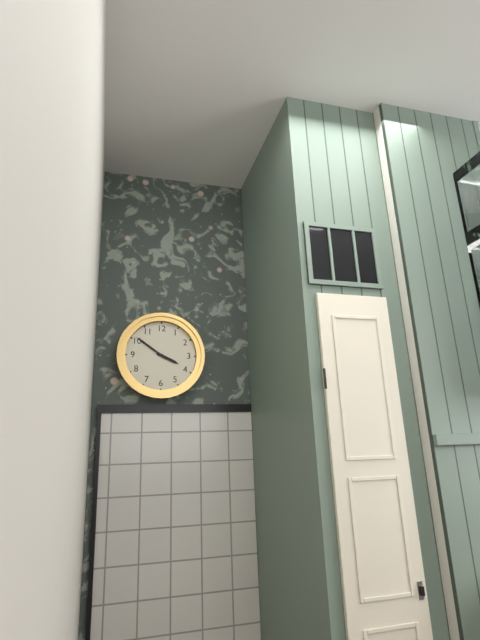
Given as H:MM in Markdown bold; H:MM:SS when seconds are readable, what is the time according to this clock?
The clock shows **3:51**
